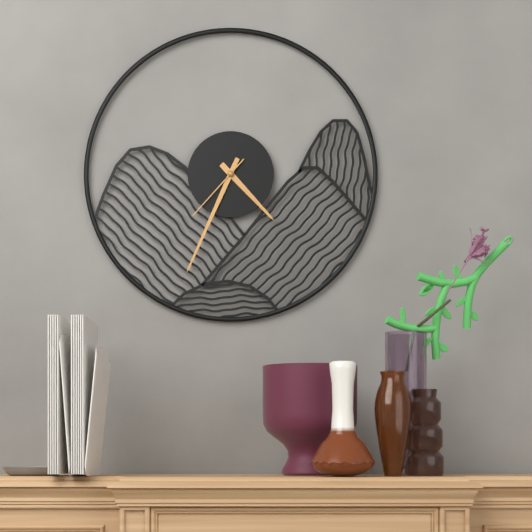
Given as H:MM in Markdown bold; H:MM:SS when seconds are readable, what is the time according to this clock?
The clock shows **4:34:37**
